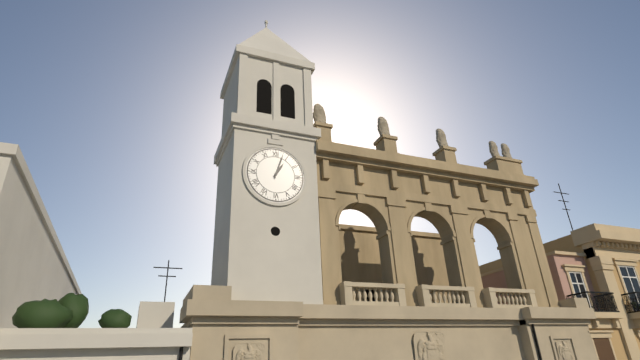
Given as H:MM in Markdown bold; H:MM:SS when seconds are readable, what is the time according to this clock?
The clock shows **1:03**
